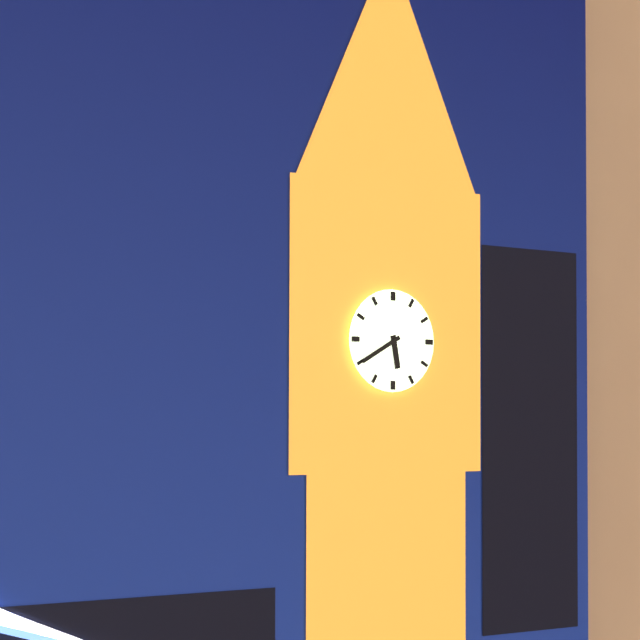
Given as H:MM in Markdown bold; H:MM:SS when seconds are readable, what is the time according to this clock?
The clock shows **5:40**
